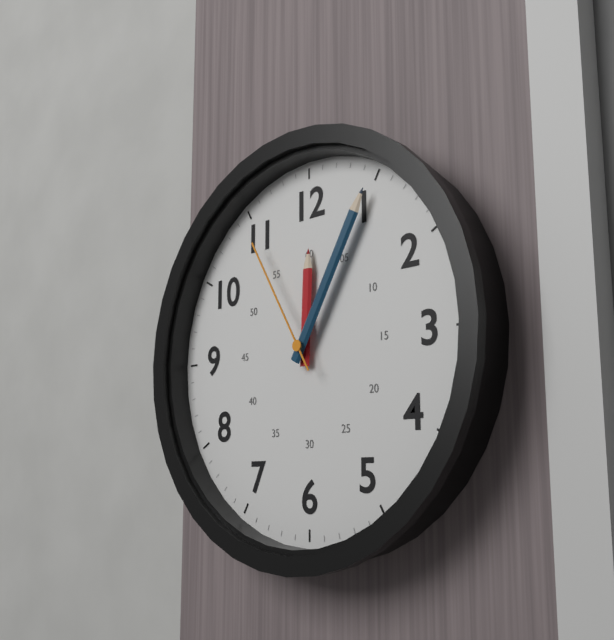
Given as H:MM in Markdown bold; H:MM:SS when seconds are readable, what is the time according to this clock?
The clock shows **12:05:55**
